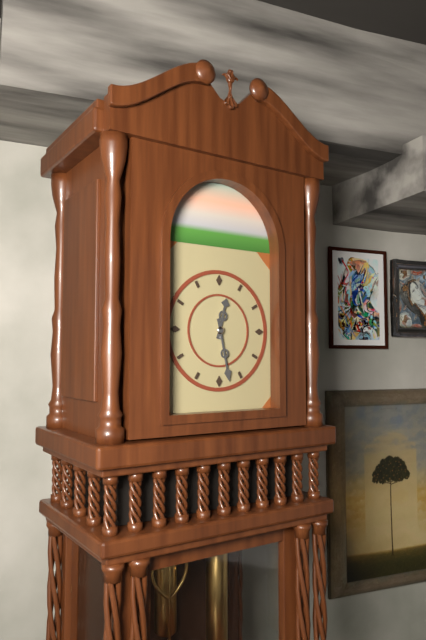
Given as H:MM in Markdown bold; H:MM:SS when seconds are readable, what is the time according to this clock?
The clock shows **12:28**
